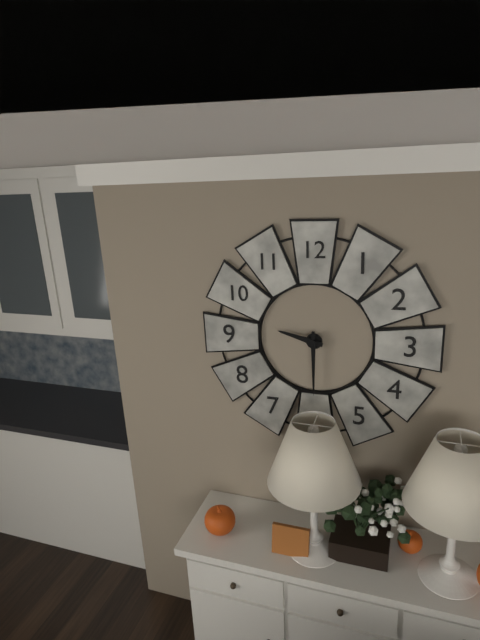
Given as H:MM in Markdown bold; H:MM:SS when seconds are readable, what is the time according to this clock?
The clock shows **9:30**
